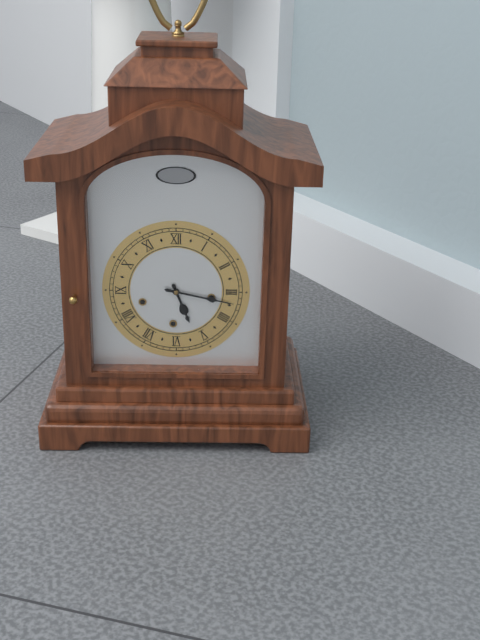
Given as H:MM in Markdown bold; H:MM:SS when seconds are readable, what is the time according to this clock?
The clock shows **5:17**
